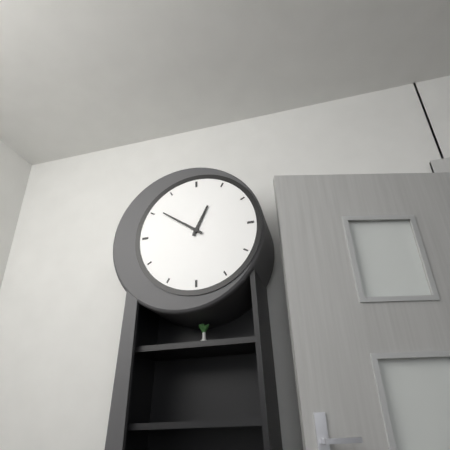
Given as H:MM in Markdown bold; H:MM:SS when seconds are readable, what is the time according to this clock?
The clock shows **12:51**
